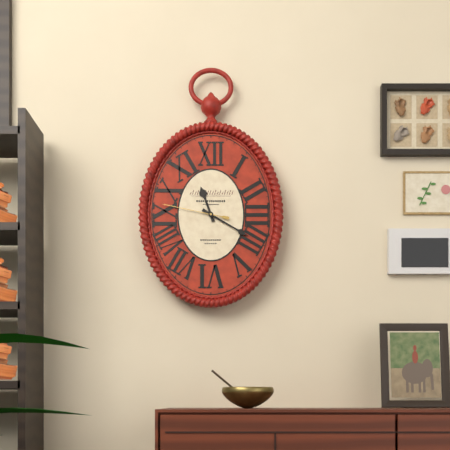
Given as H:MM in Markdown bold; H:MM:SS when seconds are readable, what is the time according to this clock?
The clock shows **11:20:47**
